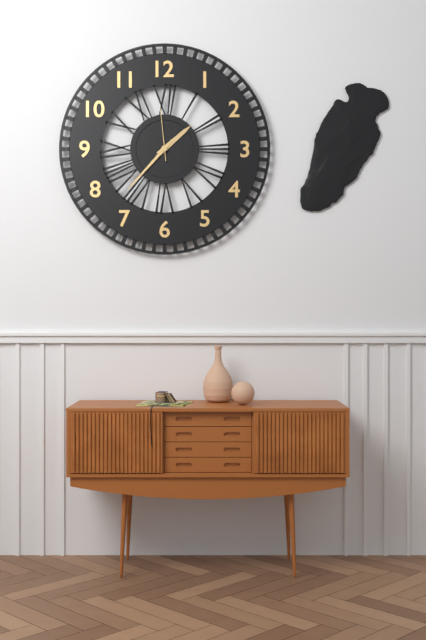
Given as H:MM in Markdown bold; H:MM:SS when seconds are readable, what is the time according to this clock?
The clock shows **1:37:59**
